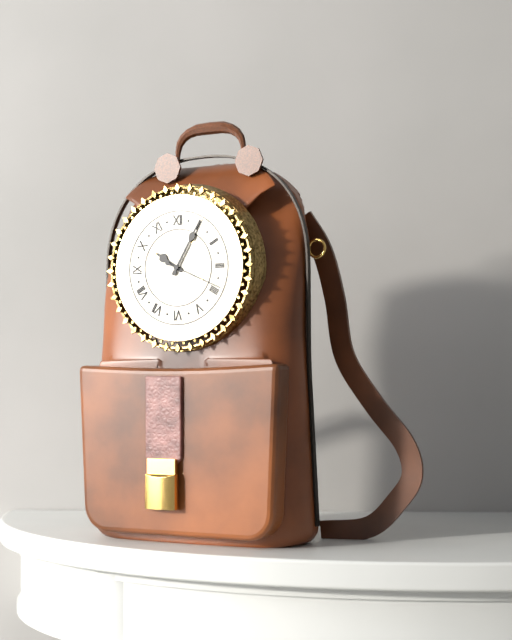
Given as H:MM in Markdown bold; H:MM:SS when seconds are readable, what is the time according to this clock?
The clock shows **10:05:19**
